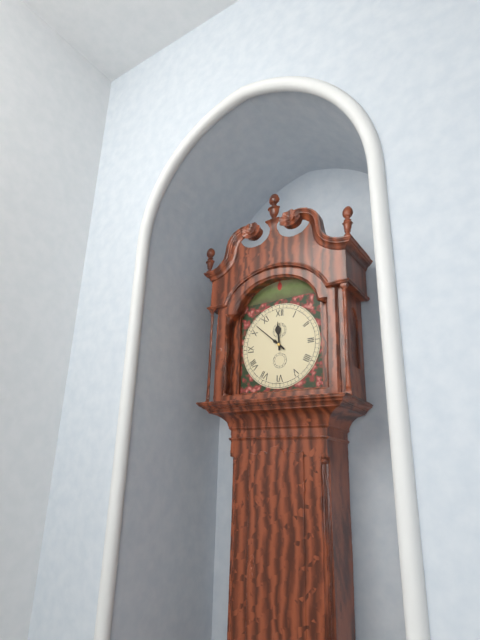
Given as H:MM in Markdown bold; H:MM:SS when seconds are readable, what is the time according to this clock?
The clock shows **11:52**
